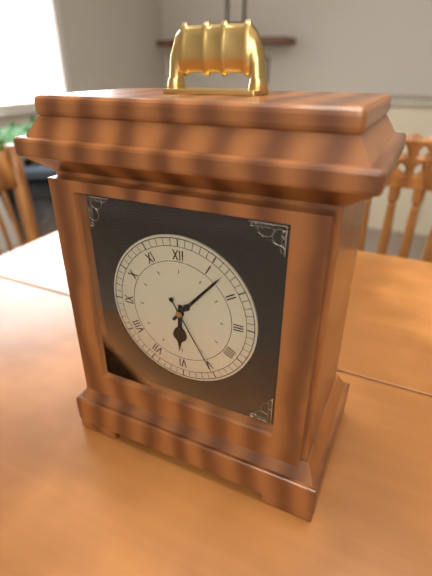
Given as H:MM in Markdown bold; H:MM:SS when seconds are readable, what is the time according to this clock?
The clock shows **6:07:25**
